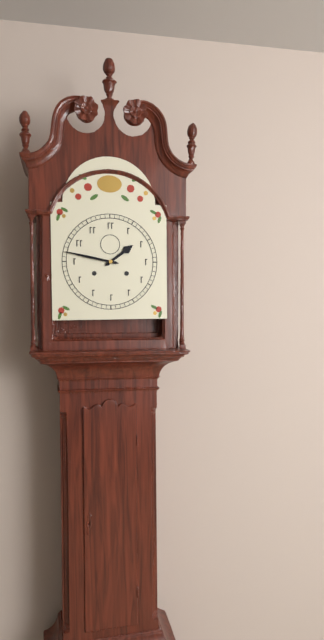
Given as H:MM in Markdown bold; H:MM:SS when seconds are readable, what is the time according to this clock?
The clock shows **1:47**
